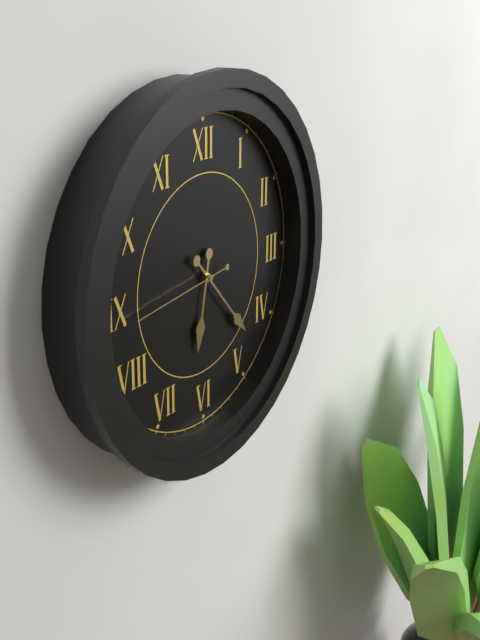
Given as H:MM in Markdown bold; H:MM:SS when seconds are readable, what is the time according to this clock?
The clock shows **6:23:44**
